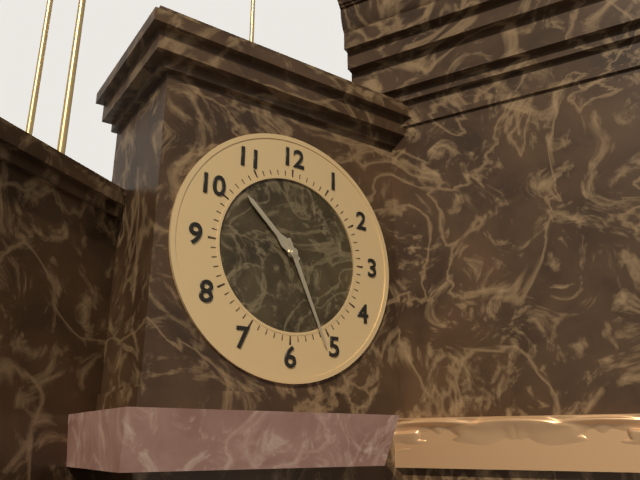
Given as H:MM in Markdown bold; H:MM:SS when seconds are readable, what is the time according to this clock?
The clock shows **10:26**
